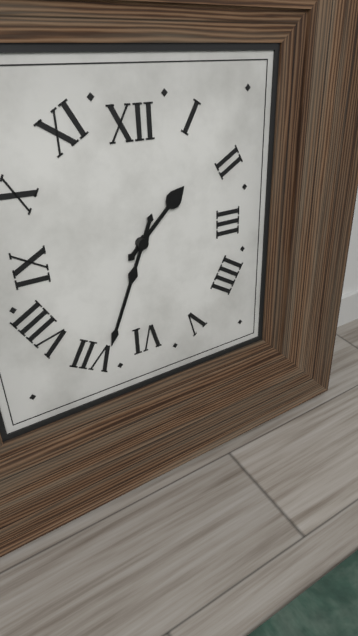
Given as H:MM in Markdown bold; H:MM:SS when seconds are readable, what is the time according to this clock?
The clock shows **1:34**
